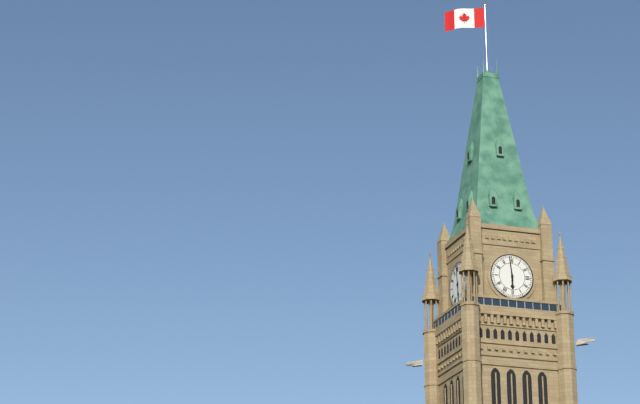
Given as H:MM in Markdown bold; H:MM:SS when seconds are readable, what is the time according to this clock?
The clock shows **5:59**
